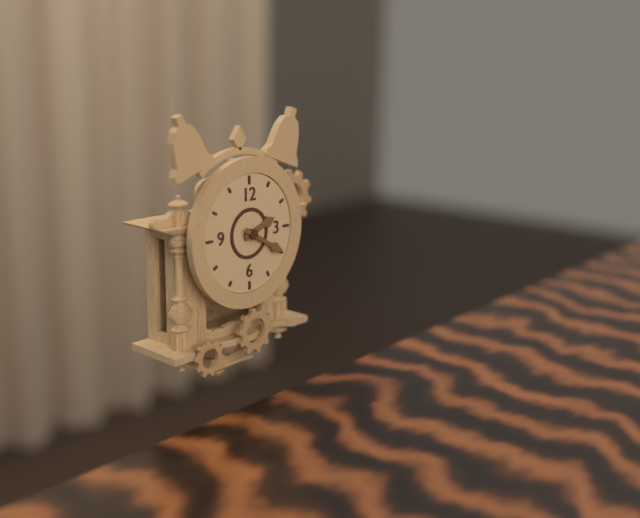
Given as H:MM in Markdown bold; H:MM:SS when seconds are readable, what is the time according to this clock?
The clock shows **2:20**
